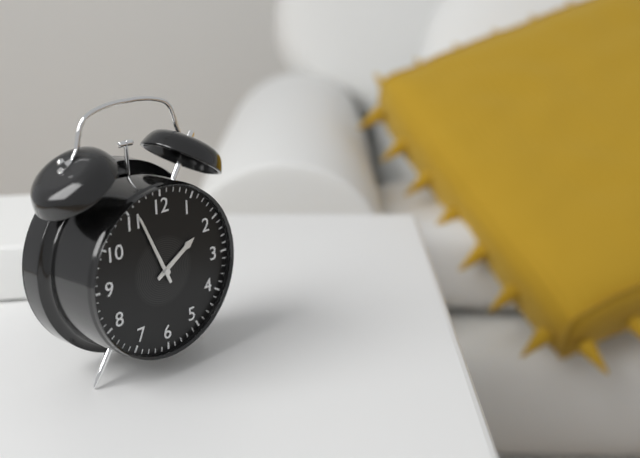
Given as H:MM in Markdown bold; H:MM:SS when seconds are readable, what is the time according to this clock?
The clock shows **1:56**
